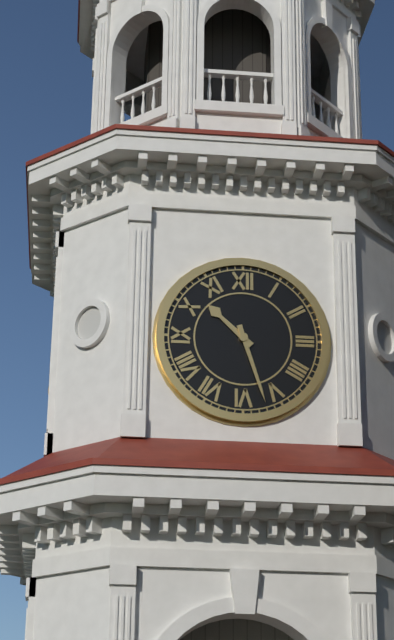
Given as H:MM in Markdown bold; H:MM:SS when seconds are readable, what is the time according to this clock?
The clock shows **10:27**
